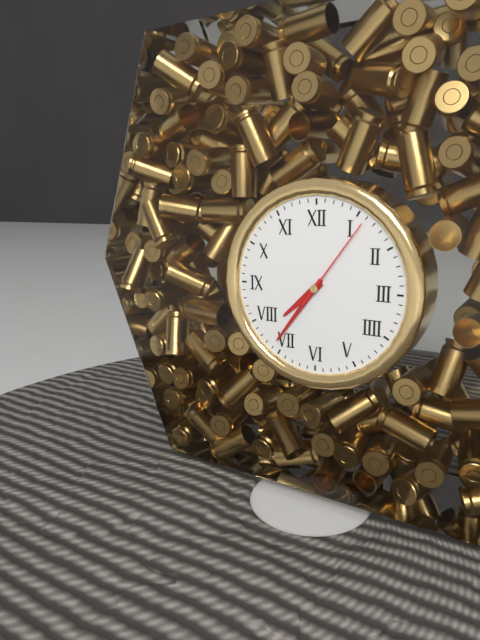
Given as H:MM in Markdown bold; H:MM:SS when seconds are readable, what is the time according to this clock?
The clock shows **7:36:06**
